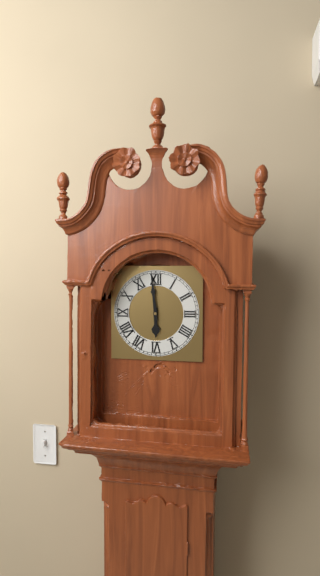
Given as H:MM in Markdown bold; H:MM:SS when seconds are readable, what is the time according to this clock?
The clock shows **5:59**
